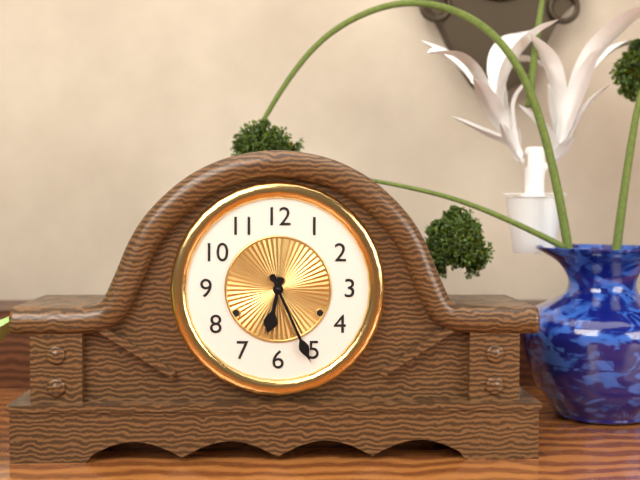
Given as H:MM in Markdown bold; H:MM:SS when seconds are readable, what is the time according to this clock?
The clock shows **6:26**
